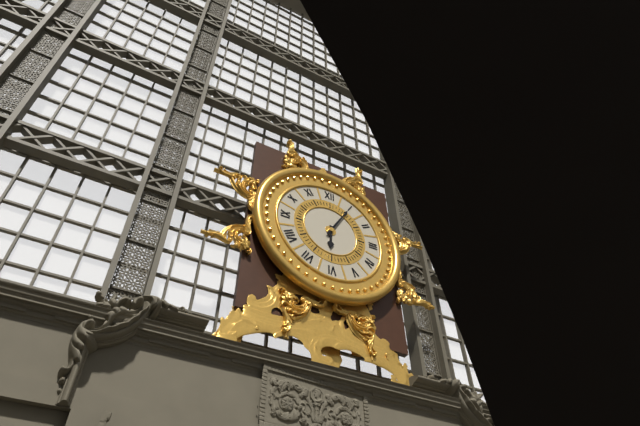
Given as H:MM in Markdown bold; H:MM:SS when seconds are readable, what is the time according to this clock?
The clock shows **6:05**
